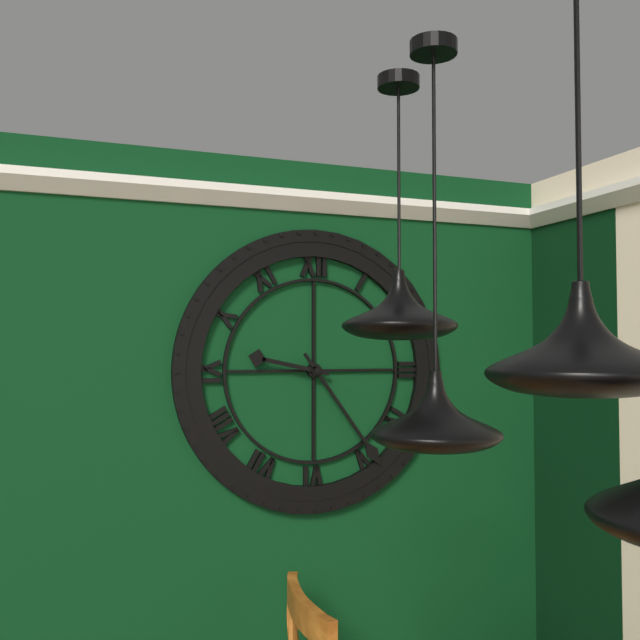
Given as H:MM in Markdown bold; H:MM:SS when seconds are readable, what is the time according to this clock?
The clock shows **9:24**
